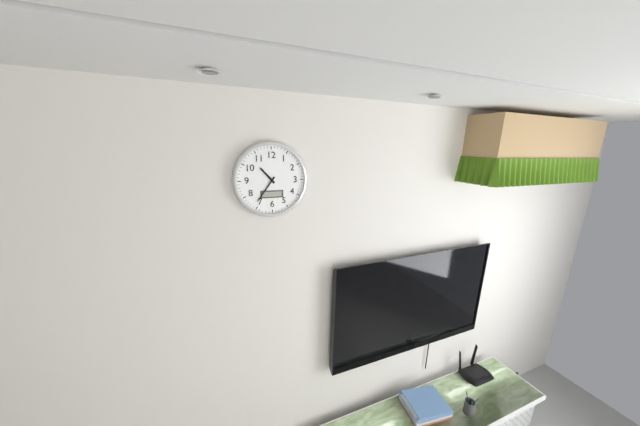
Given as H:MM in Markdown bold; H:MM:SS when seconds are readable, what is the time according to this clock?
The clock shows **10:36**
